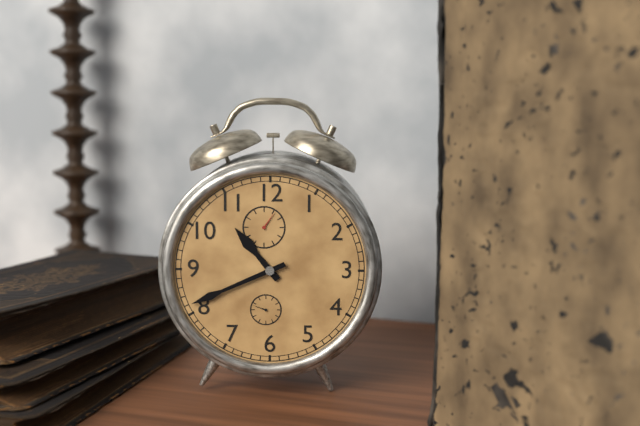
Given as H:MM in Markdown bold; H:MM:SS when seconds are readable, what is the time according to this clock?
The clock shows **10:41**
